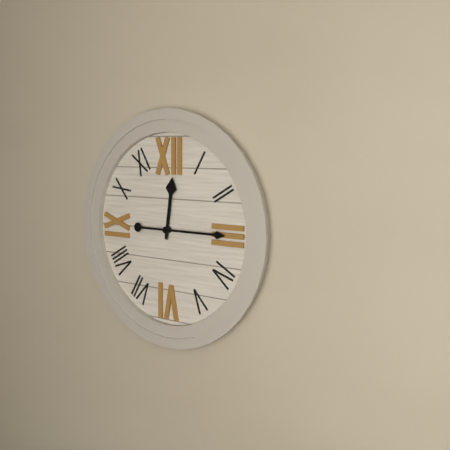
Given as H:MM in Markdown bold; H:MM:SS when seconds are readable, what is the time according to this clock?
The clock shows **12:15**
